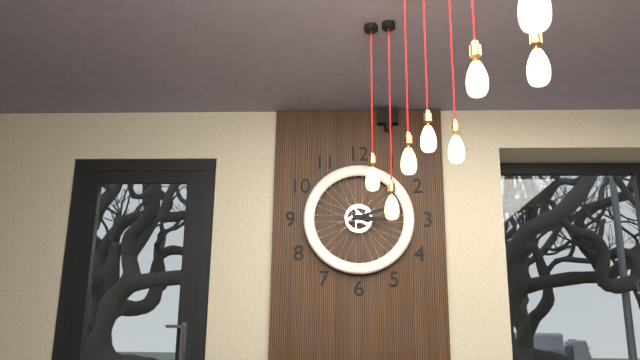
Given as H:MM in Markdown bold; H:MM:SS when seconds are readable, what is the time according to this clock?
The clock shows **3:12**
